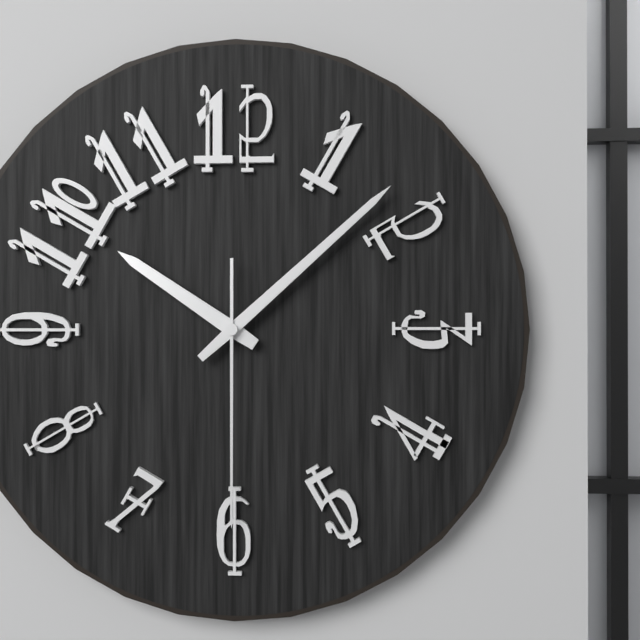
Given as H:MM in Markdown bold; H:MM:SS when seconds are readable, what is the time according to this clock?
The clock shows **10:08:30**
